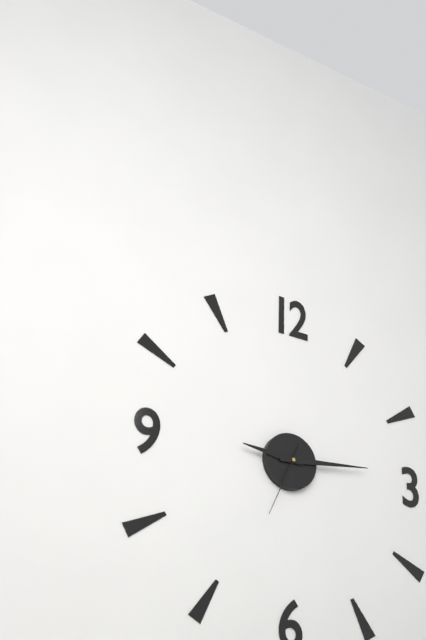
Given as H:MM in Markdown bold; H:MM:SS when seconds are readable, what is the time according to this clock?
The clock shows **9:14:34**
